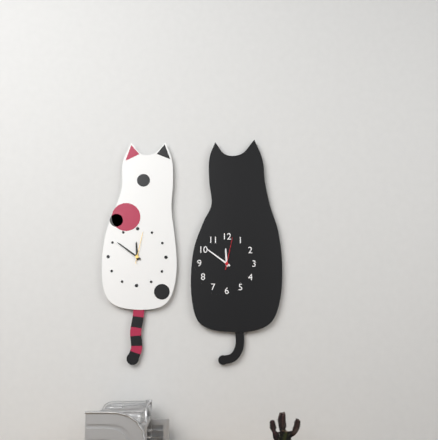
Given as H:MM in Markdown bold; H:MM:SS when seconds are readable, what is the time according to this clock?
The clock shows **11:51**
